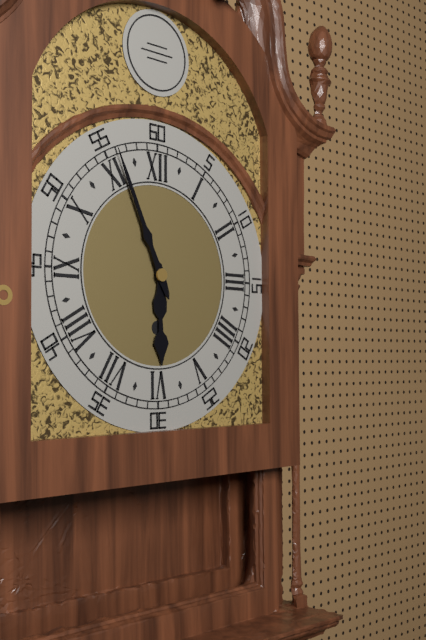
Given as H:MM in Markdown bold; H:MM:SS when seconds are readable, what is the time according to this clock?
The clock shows **5:56**
